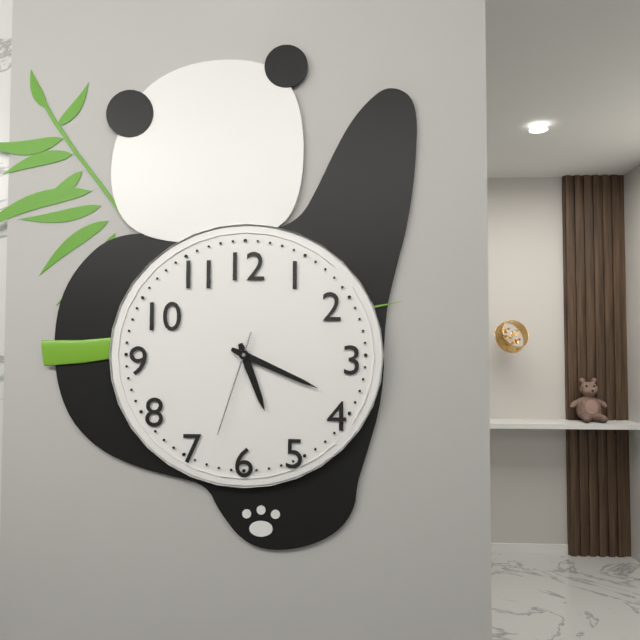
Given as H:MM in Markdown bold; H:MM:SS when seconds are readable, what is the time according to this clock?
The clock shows **5:19:33**
